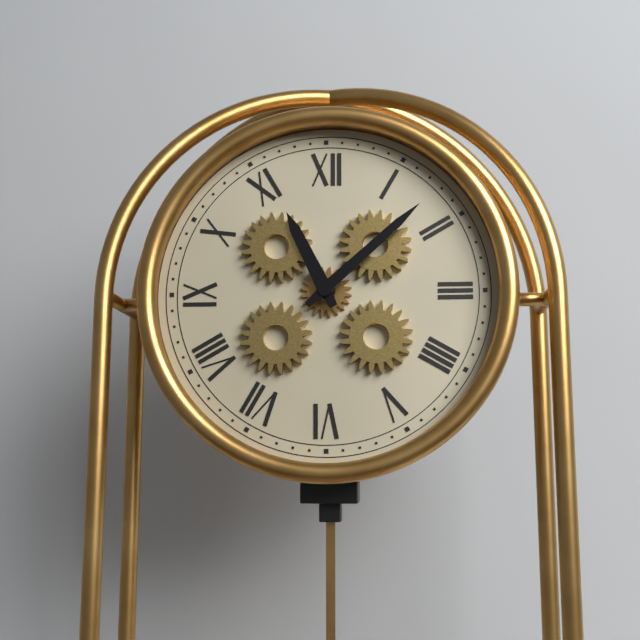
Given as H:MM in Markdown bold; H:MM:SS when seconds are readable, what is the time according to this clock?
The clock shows **11:08**
